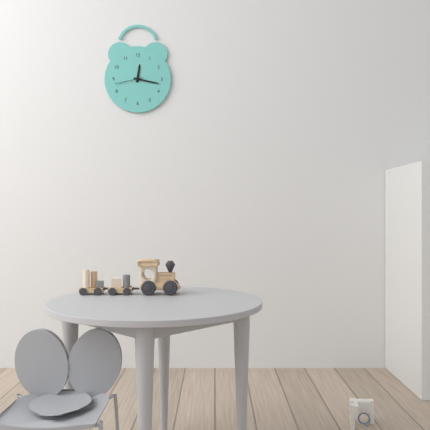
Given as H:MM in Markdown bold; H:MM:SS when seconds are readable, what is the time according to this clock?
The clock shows **12:17**
